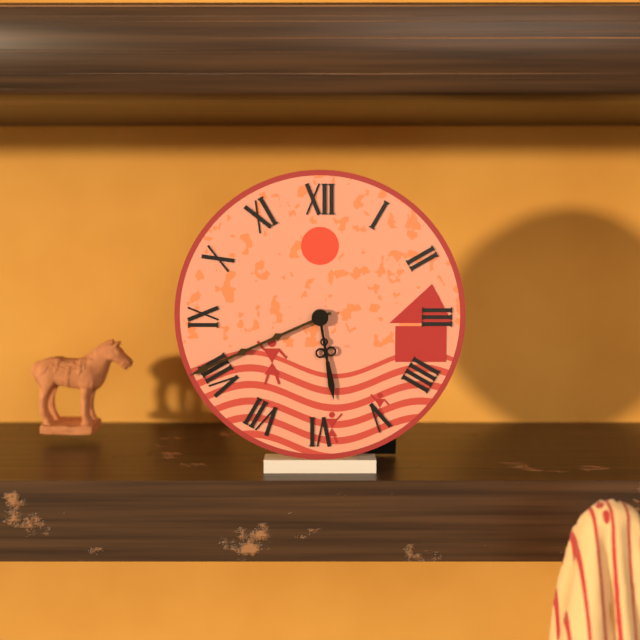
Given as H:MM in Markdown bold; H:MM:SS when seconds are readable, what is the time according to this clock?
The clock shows **5:41**
